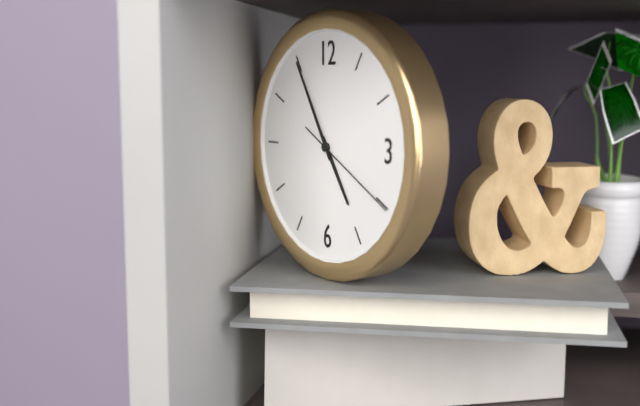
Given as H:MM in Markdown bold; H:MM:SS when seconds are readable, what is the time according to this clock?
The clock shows **4:55:20**
